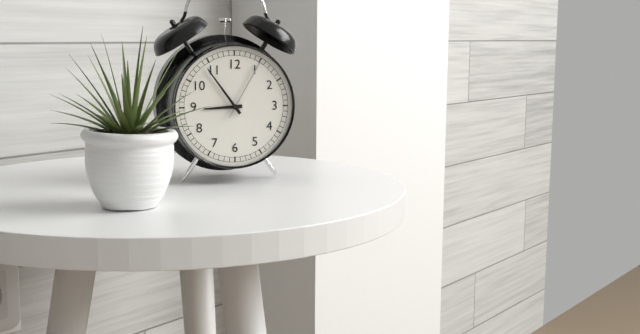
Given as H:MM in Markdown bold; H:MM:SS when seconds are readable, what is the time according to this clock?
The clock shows **8:54:05**
